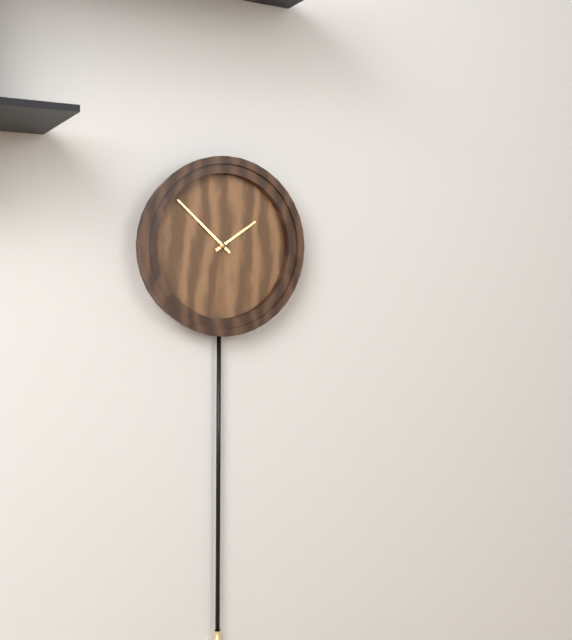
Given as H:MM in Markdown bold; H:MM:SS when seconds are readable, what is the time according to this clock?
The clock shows **1:52**
